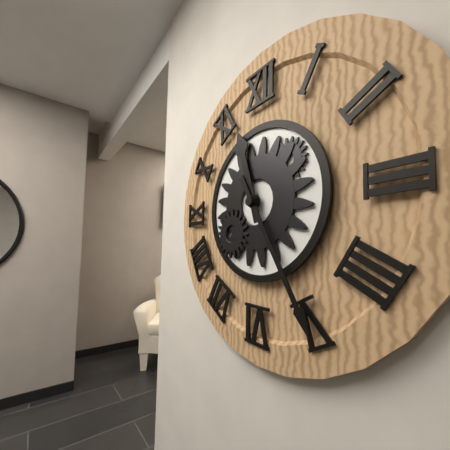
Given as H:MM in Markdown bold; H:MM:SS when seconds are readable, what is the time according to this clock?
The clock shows **11:25**
